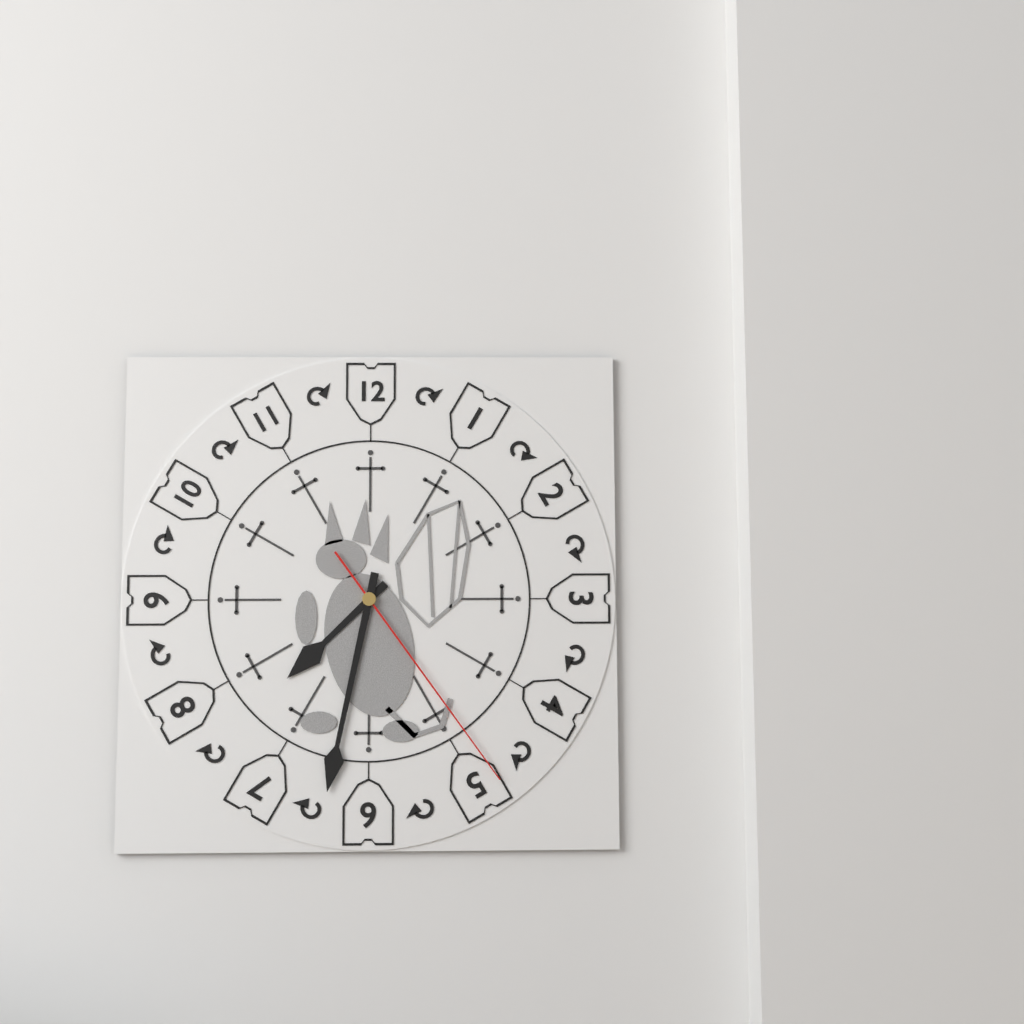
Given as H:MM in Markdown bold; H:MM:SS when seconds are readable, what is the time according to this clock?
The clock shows **7:32:24**
